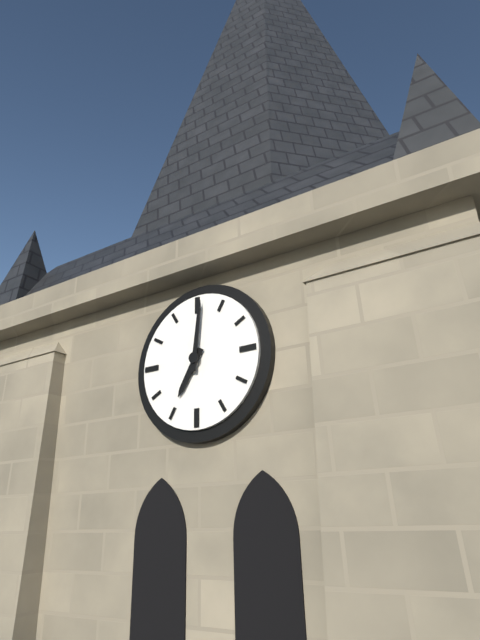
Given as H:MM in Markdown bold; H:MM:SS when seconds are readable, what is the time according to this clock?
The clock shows **7:01**
